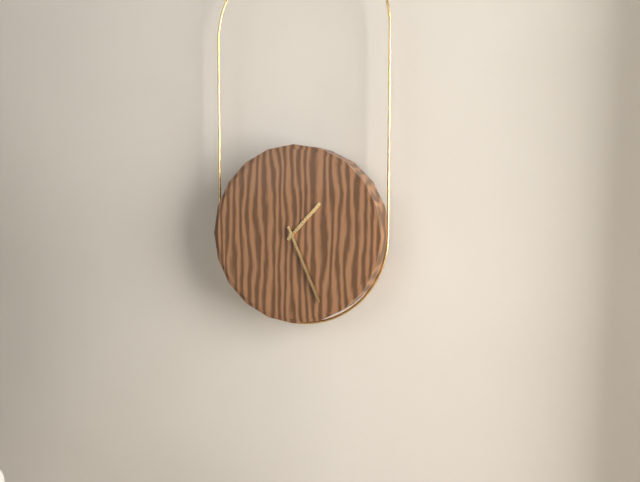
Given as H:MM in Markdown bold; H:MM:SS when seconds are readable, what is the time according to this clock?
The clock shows **1:26**
